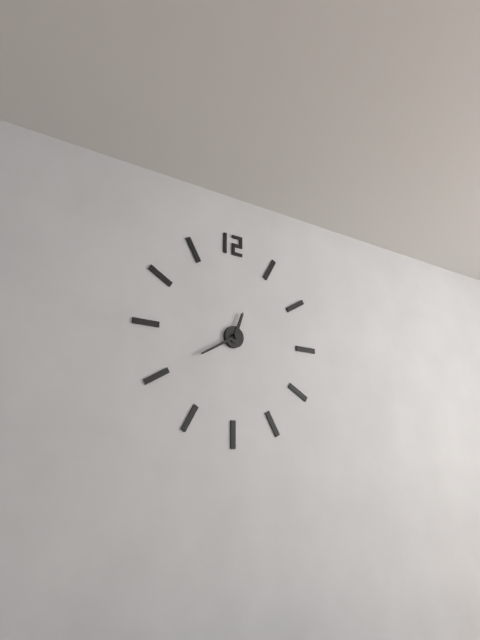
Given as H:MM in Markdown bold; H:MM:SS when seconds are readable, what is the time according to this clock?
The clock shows **12:40**
